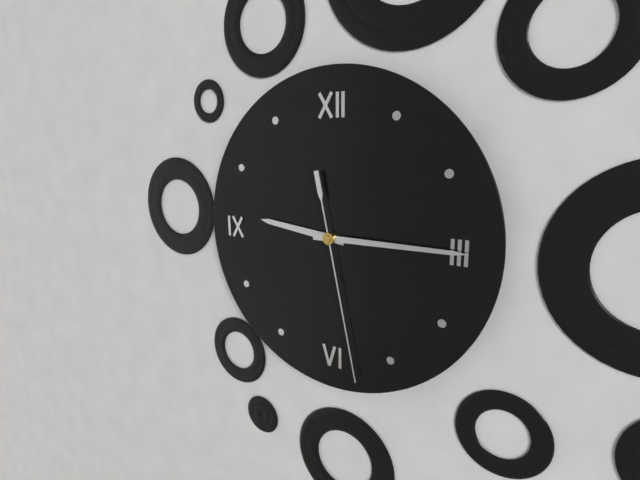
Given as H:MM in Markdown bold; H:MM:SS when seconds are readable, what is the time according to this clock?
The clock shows **9:15:28**
